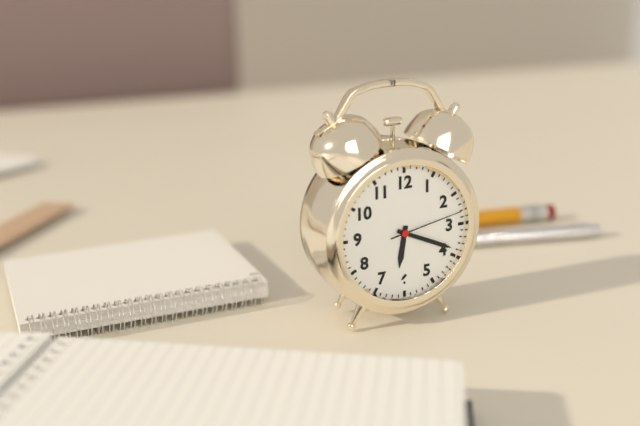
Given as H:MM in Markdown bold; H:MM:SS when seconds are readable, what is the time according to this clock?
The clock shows **6:19:13**
